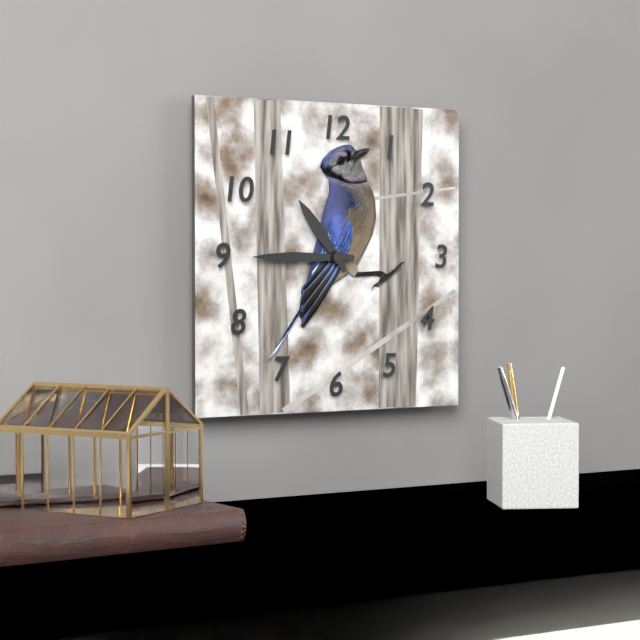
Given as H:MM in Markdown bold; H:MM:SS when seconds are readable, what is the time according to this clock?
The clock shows **10:45**
